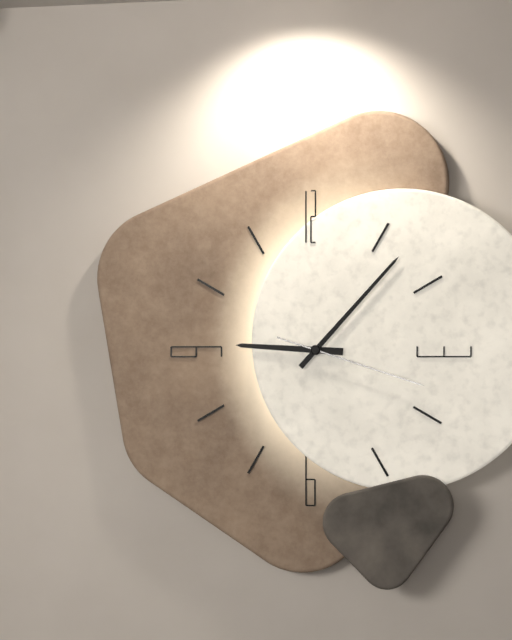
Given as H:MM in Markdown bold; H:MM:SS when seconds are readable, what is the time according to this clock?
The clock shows **9:07:18**
